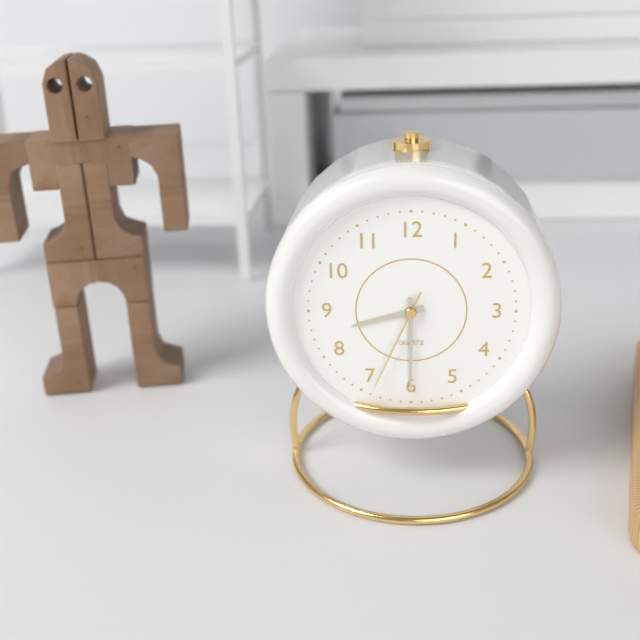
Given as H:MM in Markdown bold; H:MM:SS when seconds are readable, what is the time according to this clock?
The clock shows **8:30:34**
